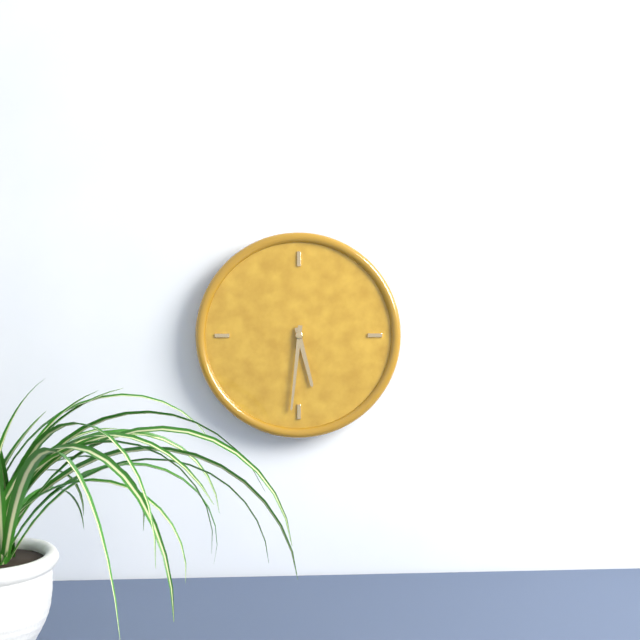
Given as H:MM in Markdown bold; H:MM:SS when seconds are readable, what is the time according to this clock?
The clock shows **5:31**
